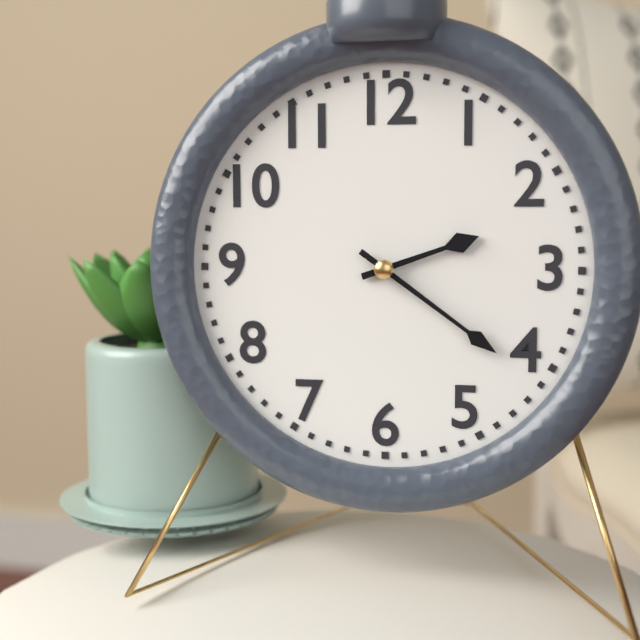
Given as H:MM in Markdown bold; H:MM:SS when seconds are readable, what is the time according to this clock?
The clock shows **2:21**
